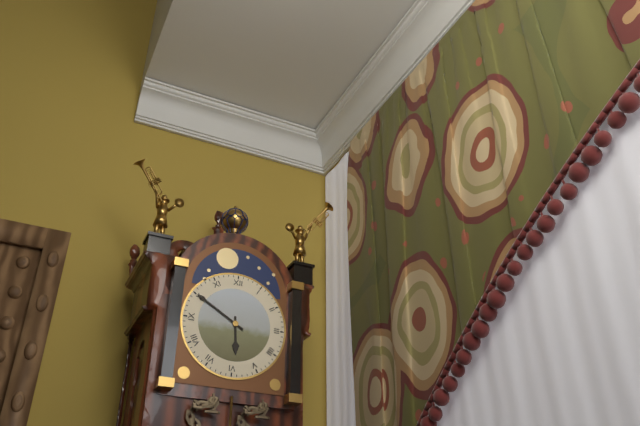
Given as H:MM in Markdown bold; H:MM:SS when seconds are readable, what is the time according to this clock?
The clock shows **5:50**
